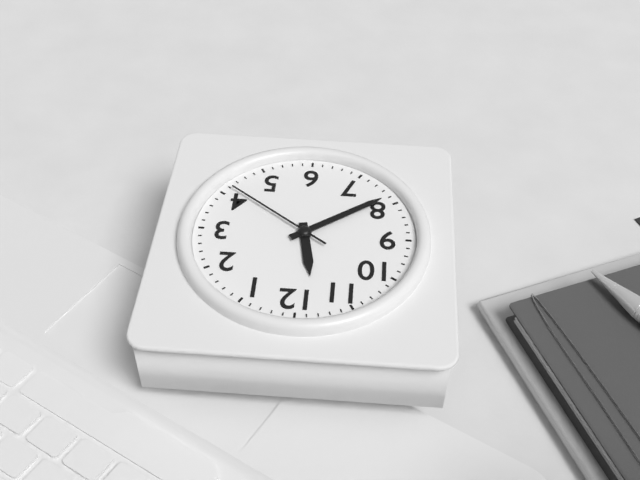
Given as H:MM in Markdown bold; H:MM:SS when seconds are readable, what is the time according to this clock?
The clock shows **11:39:21**
